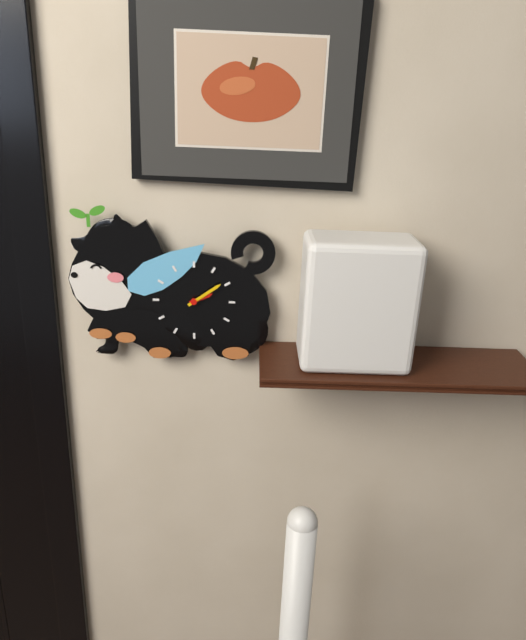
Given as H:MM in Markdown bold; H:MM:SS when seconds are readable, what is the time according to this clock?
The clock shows **2:09**
